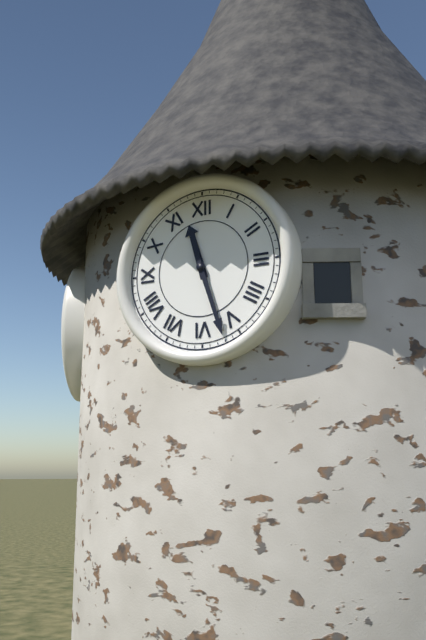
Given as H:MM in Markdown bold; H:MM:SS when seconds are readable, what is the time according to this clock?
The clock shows **11:27**
